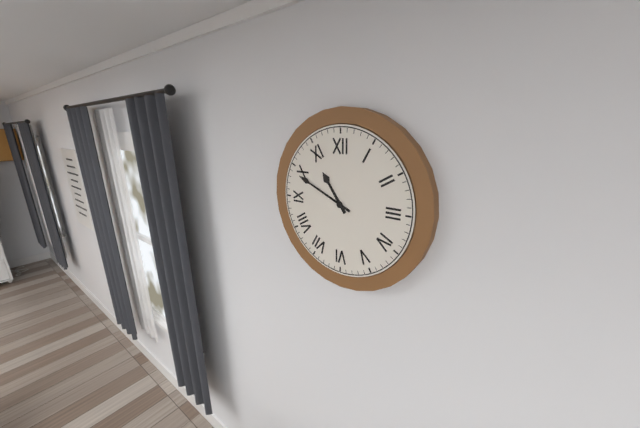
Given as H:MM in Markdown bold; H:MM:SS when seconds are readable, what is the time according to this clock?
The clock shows **10:49**
